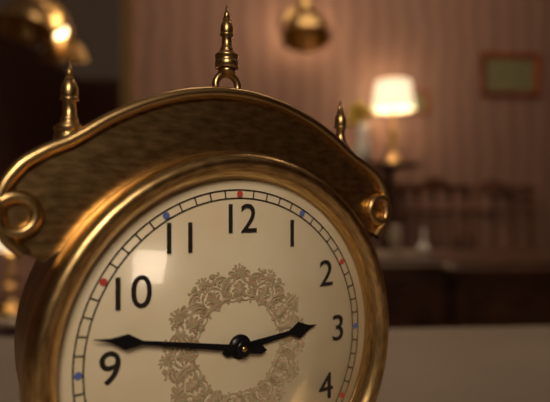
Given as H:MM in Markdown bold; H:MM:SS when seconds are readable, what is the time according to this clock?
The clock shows **2:47**
